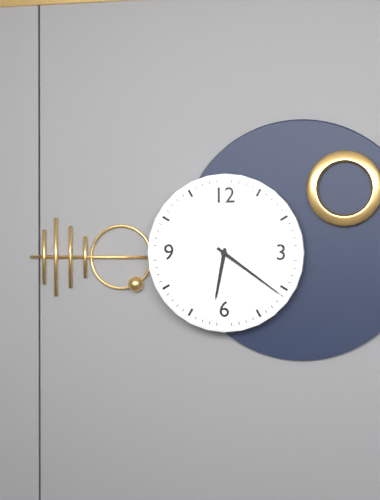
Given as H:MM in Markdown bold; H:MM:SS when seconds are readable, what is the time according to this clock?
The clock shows **6:21**
